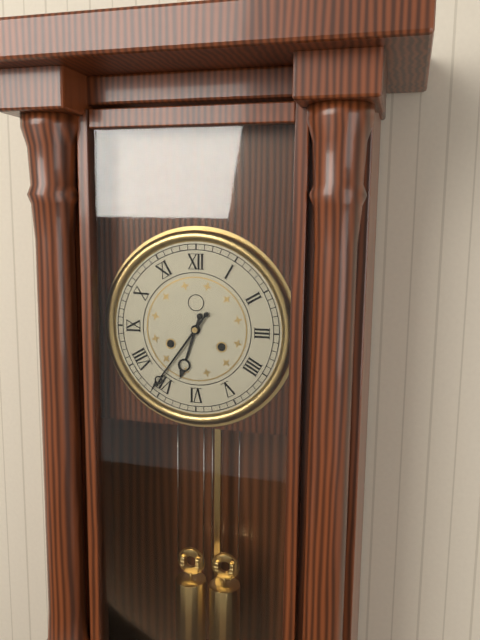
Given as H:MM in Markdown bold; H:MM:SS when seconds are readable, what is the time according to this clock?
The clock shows **6:36**
